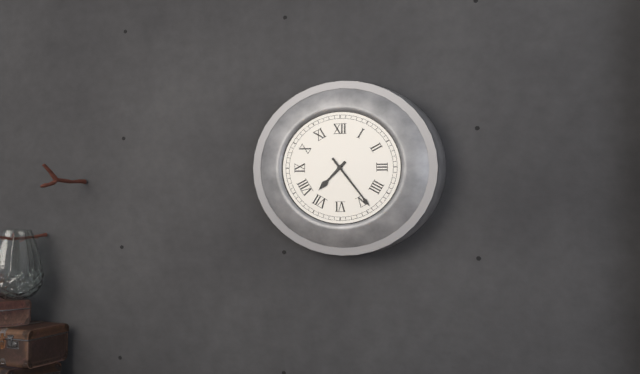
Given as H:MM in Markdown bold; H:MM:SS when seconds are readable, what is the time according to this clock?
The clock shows **7:24**
